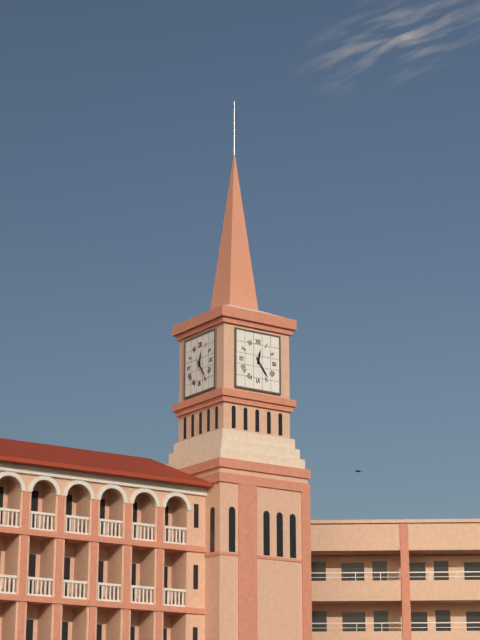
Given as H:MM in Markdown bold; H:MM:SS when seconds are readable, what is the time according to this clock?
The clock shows **12:24**
